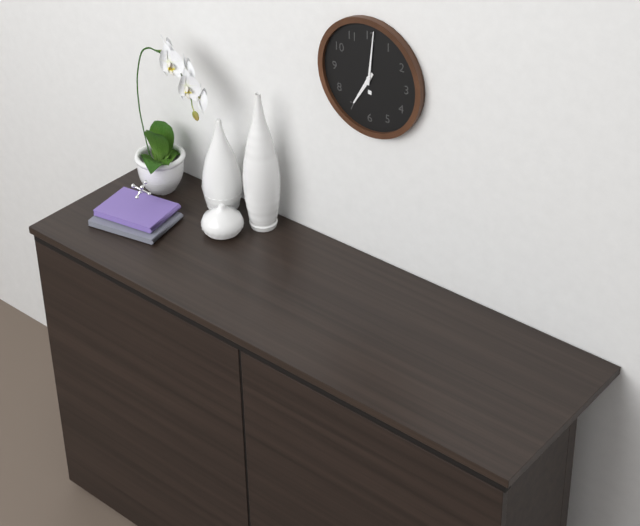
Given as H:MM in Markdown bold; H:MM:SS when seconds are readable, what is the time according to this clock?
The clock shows **7:01**
